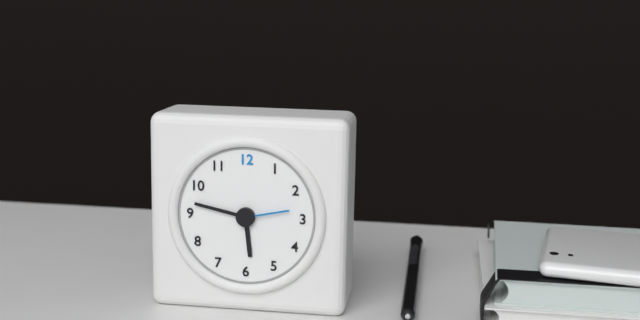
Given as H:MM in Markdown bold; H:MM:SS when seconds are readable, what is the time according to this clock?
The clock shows **5:47:13**
